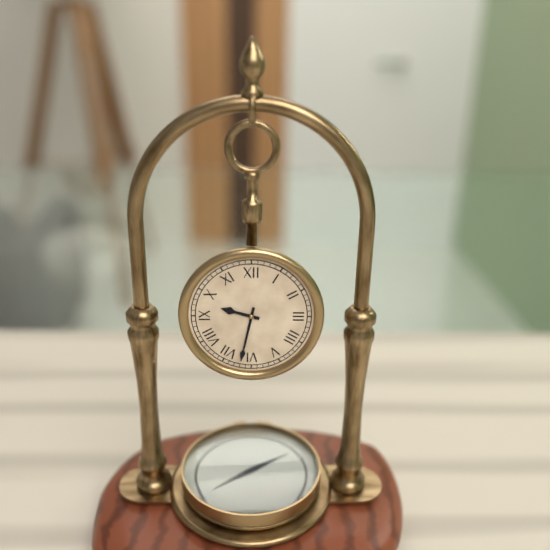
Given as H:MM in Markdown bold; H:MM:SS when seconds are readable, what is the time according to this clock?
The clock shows **9:32**
